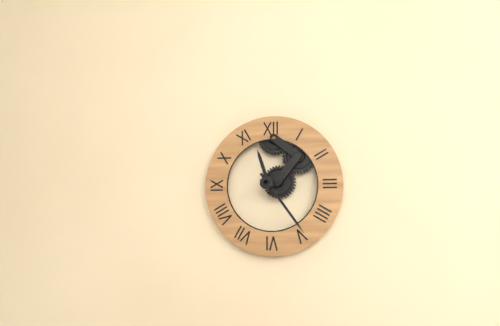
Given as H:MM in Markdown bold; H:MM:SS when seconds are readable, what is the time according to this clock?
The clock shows **11:24**
